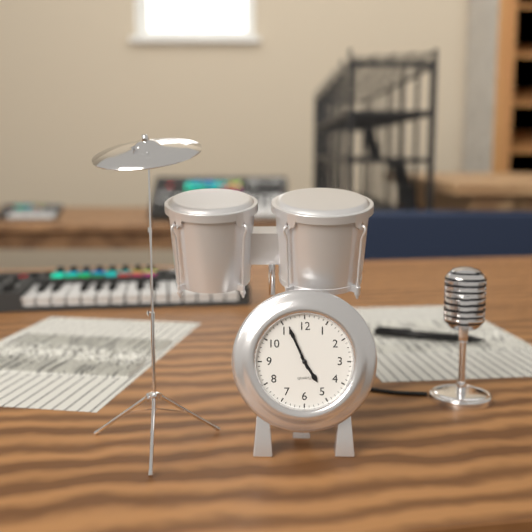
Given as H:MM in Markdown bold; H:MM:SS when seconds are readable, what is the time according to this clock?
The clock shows **4:56**
